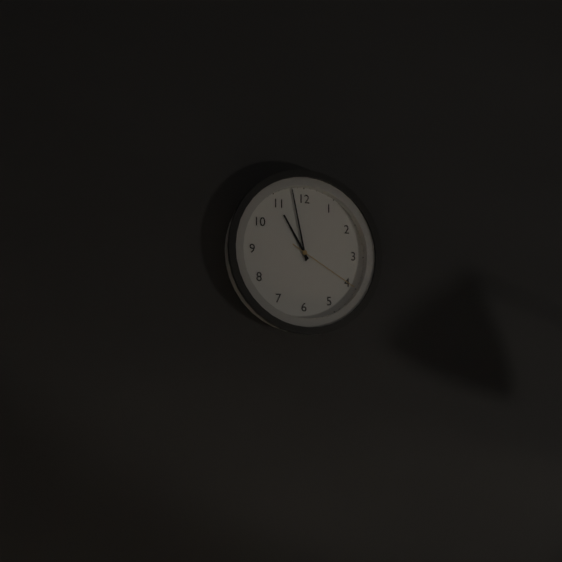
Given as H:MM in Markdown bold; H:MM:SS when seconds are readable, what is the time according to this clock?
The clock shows **10:58:20**
